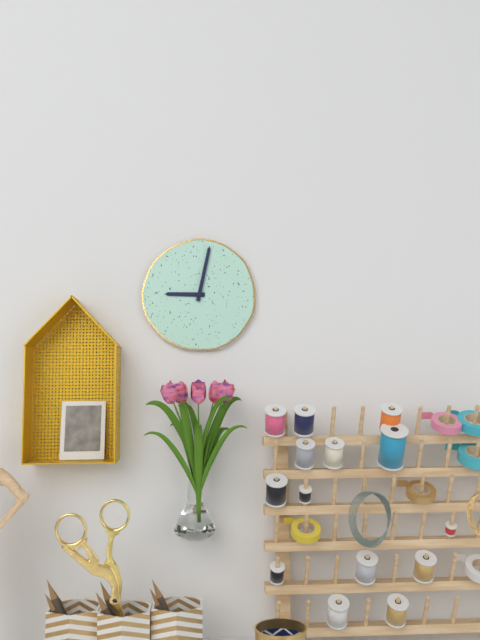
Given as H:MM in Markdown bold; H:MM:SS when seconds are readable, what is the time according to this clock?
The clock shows **9:02**
